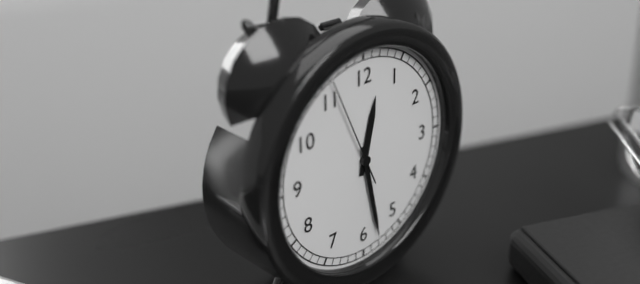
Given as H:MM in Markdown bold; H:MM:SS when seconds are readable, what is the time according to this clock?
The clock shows **12:28:56**
